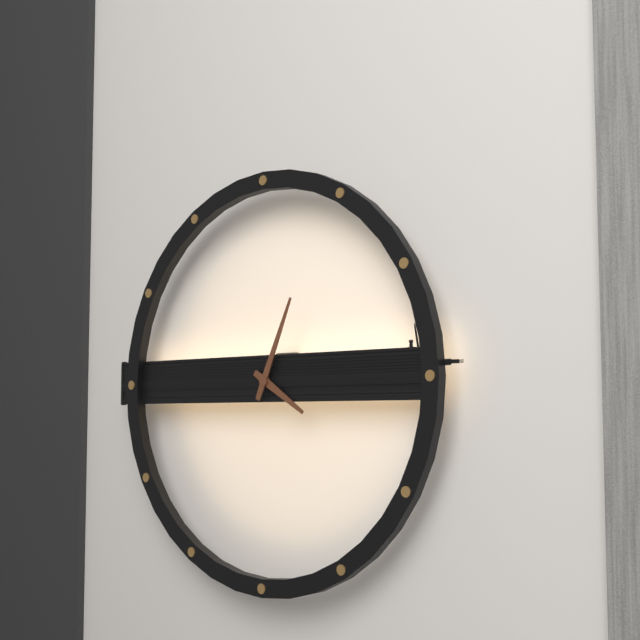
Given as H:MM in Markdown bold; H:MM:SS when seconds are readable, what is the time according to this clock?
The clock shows **4:04**
